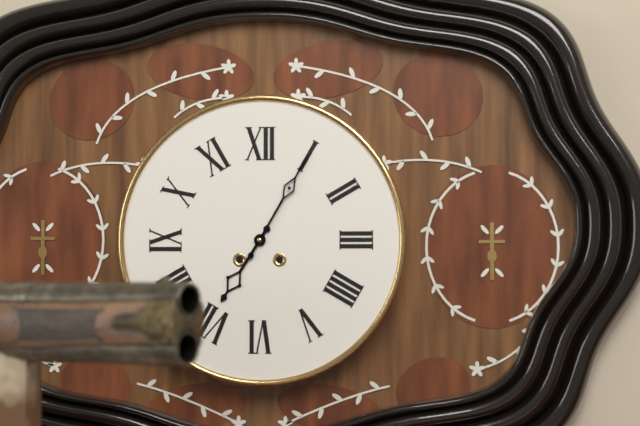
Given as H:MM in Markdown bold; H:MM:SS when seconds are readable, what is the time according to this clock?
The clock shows **7:05**
